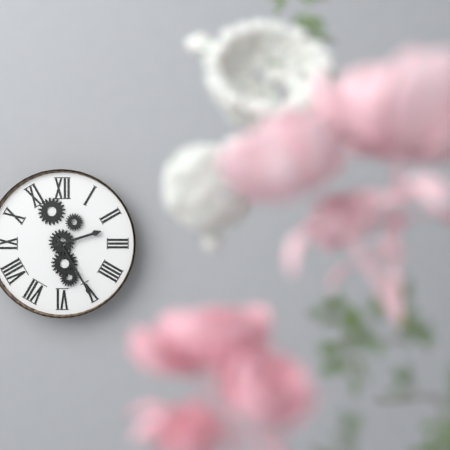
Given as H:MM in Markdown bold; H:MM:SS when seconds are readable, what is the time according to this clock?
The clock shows **2:25**
